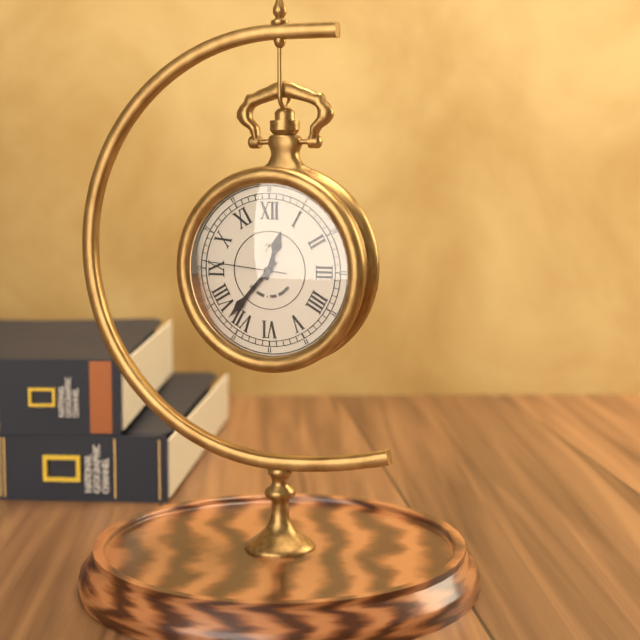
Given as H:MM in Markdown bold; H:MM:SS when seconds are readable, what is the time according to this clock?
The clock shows **12:37:46**
